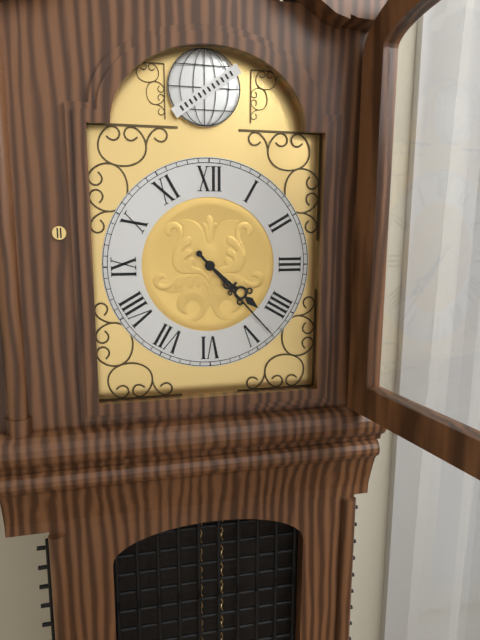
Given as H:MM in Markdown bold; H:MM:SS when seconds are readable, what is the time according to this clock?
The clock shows **4:23**
